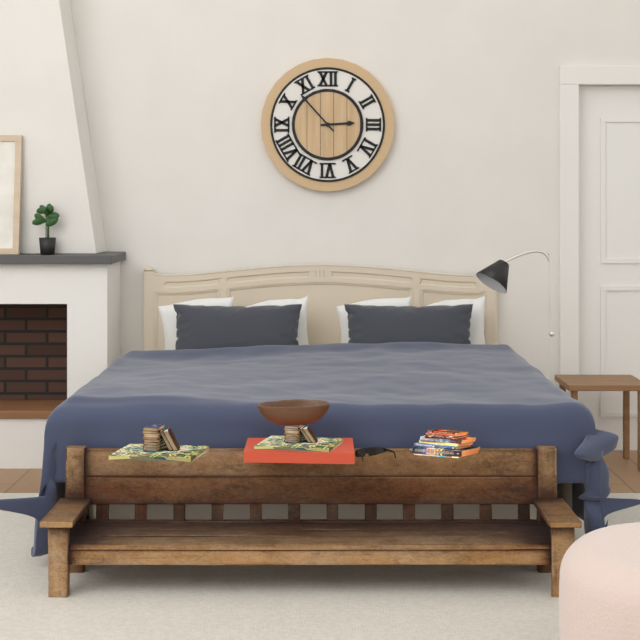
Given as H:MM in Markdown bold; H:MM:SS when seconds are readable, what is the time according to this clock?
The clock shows **2:53**
